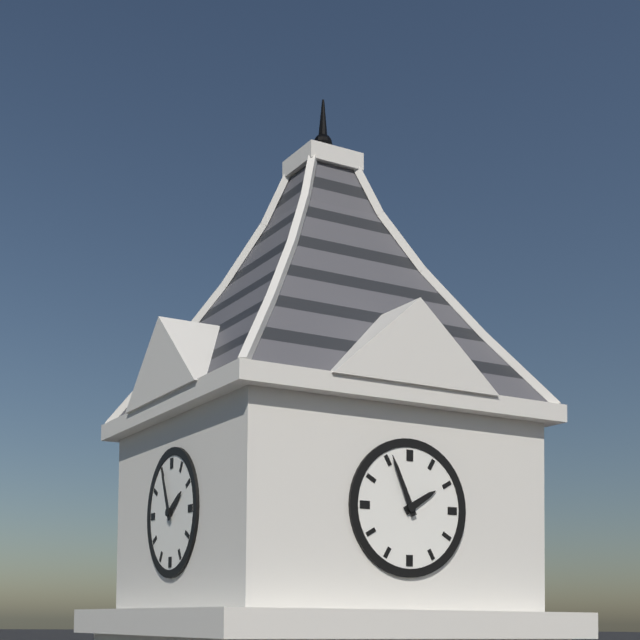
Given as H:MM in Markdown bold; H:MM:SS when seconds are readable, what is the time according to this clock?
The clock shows **1:56**
